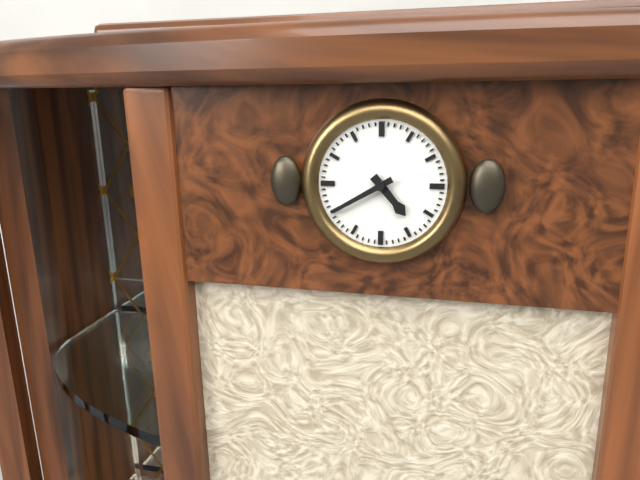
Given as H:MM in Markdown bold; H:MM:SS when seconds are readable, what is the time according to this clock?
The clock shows **4:40**
